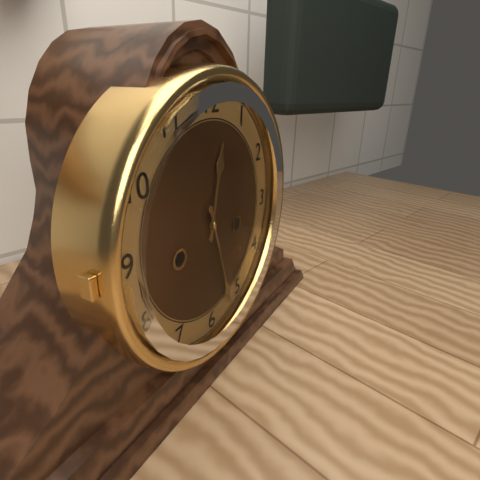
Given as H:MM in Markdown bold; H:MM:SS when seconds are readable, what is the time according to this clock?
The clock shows **12:27**
